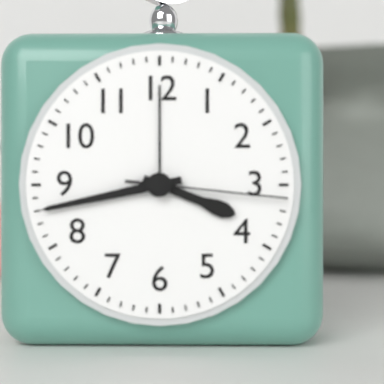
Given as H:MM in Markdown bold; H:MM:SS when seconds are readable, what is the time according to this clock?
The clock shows **3:43:16**
